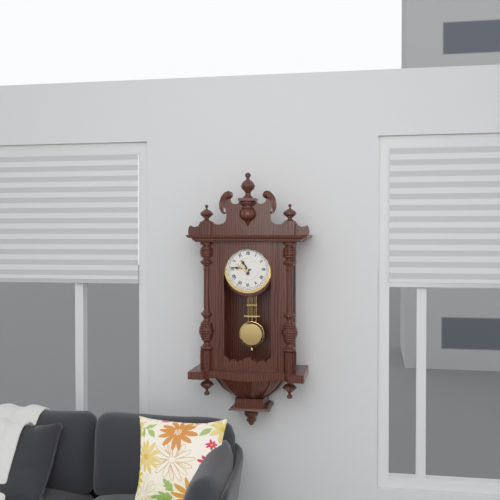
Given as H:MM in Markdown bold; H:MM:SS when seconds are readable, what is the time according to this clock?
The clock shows **10:46**
